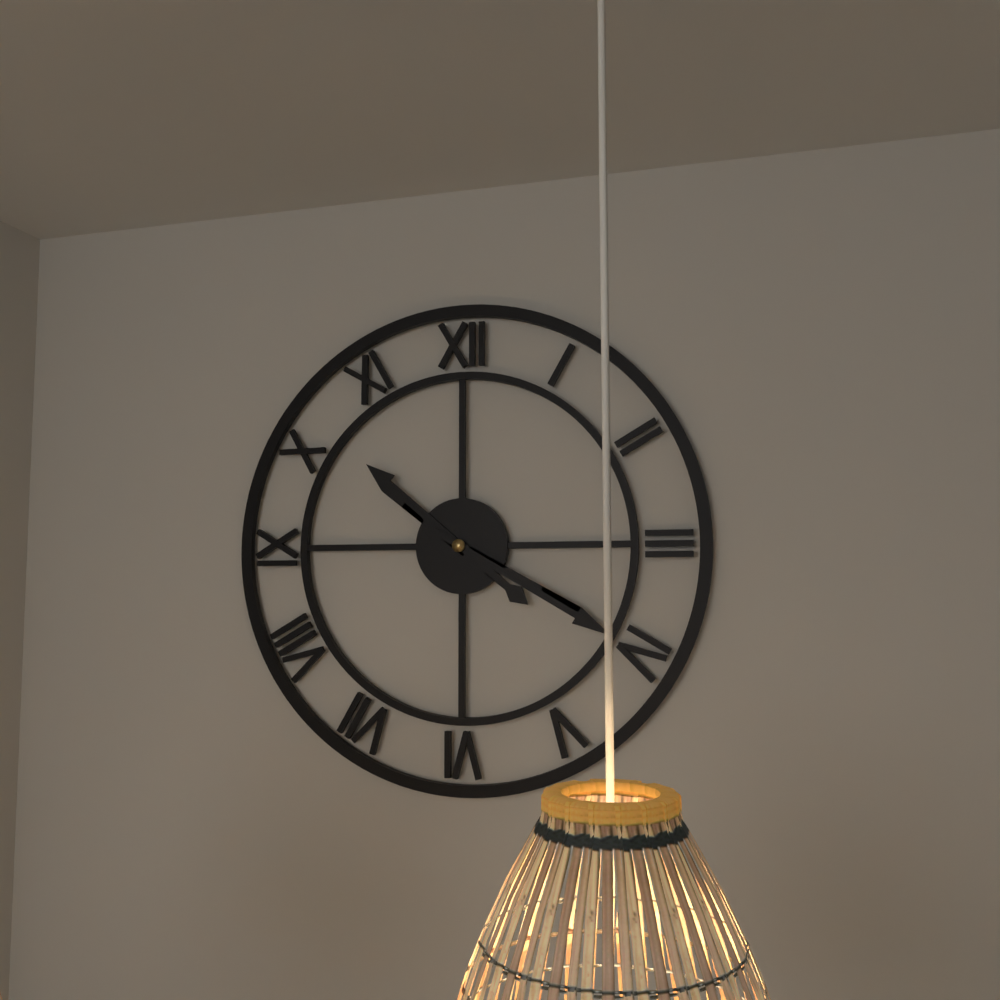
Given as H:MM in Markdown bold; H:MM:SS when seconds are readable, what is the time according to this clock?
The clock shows **10:20**
